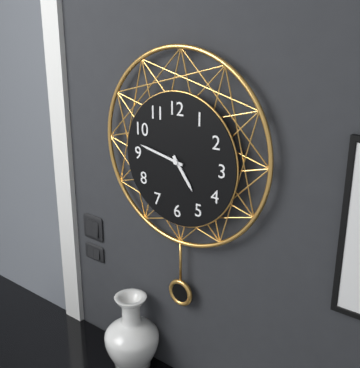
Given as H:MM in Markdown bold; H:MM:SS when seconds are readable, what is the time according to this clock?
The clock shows **4:47**
